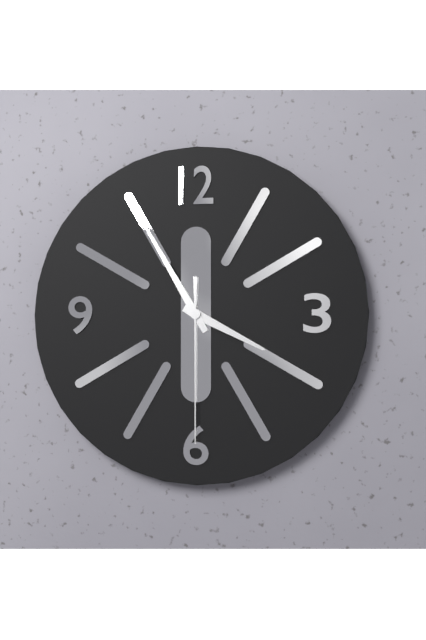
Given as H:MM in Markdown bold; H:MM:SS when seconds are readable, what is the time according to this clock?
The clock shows **3:55:30**
